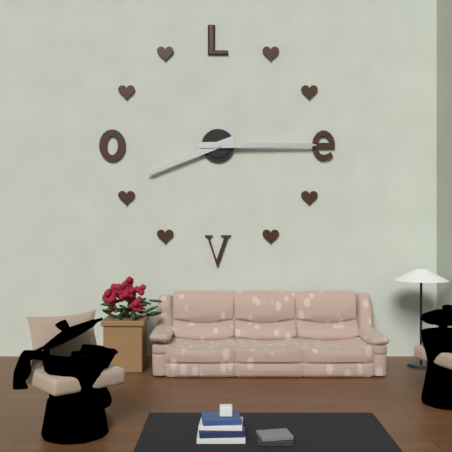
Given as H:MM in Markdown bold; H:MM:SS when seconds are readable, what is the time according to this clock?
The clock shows **8:15**
